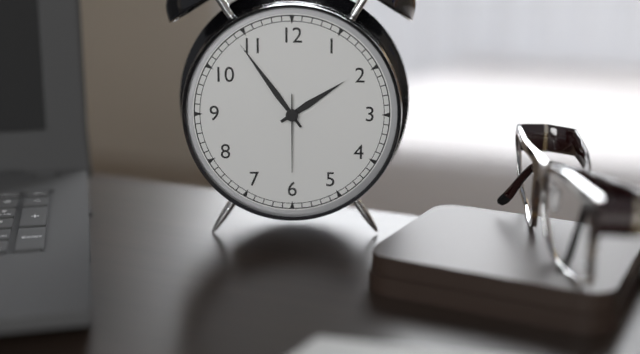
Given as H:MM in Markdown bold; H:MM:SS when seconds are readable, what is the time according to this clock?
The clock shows **1:54:30**
